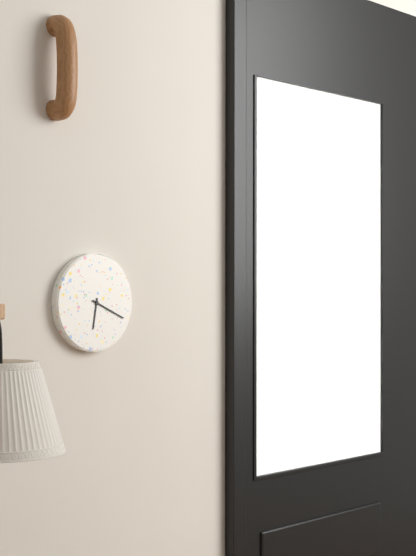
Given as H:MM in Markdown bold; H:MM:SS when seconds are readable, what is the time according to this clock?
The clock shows **6:19**
